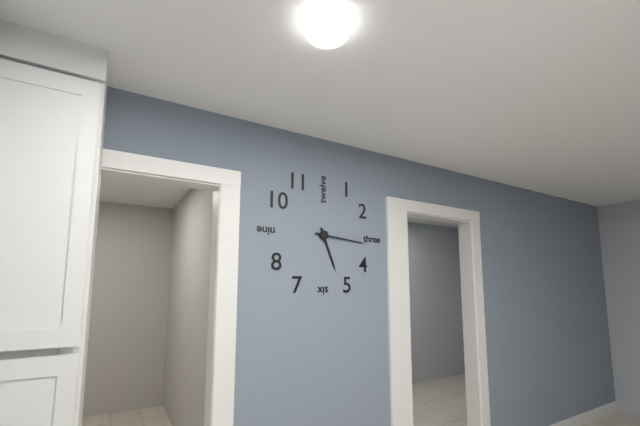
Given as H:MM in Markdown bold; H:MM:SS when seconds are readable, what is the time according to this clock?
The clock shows **5:16**
